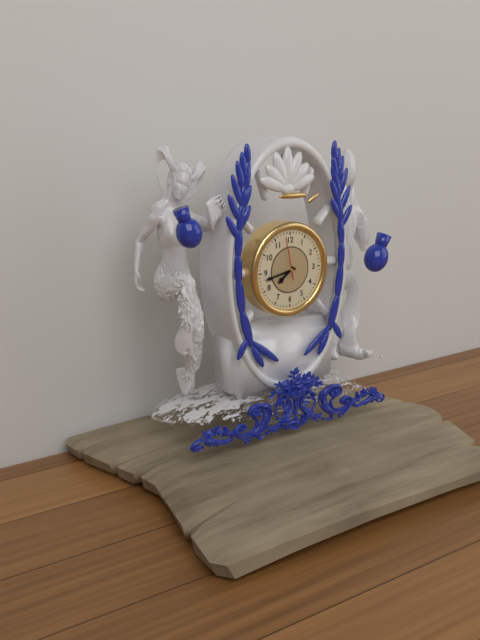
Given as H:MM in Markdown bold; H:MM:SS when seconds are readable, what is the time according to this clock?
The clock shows **7:43**
